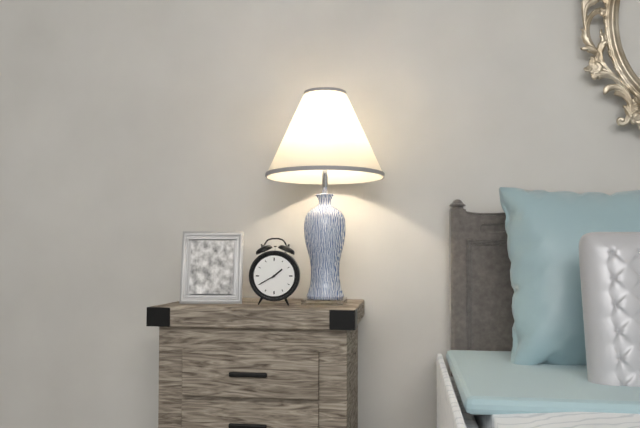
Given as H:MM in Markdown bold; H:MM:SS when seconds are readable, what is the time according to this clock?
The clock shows **1:40**
